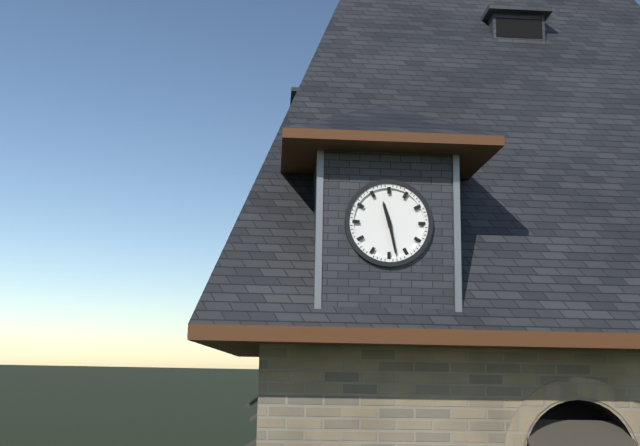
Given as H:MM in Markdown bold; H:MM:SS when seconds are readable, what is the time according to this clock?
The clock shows **11:28**
